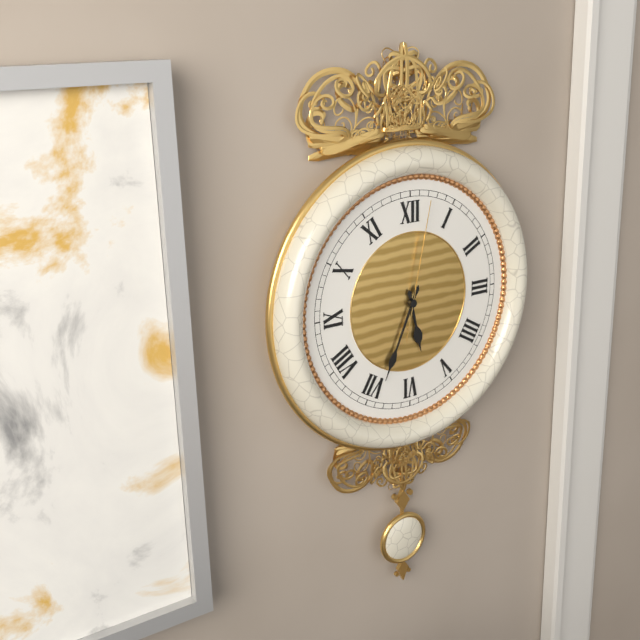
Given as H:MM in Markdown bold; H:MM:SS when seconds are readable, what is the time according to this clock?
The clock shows **5:34:02**
